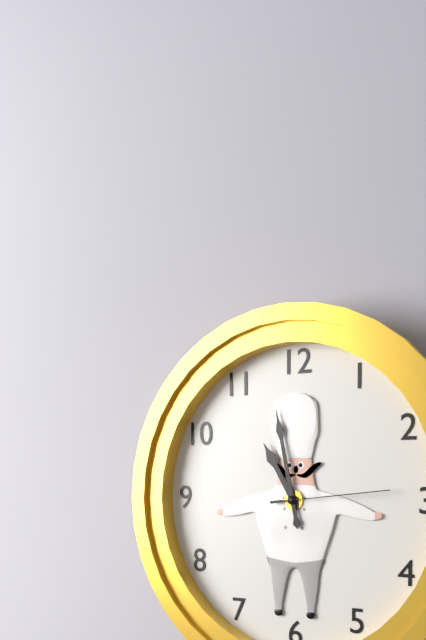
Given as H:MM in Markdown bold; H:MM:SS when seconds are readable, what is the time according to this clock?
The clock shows **10:58:14**
